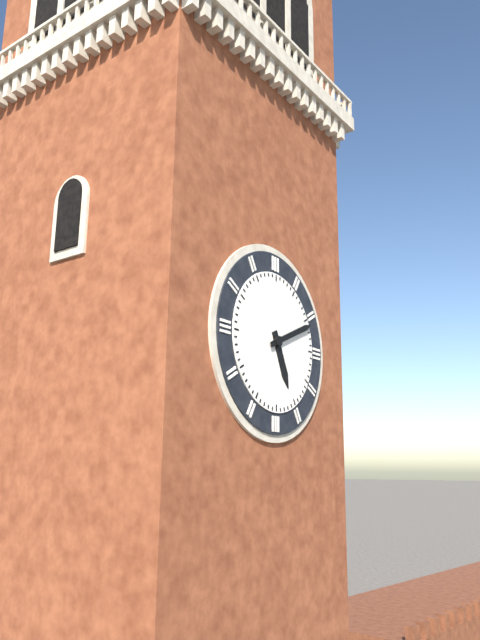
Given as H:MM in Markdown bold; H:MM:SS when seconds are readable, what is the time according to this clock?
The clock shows **5:11**
